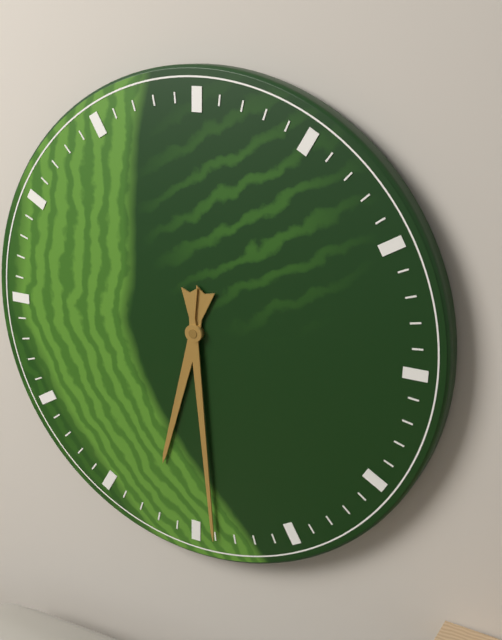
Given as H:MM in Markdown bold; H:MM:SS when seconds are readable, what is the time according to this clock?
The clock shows **6:29**
